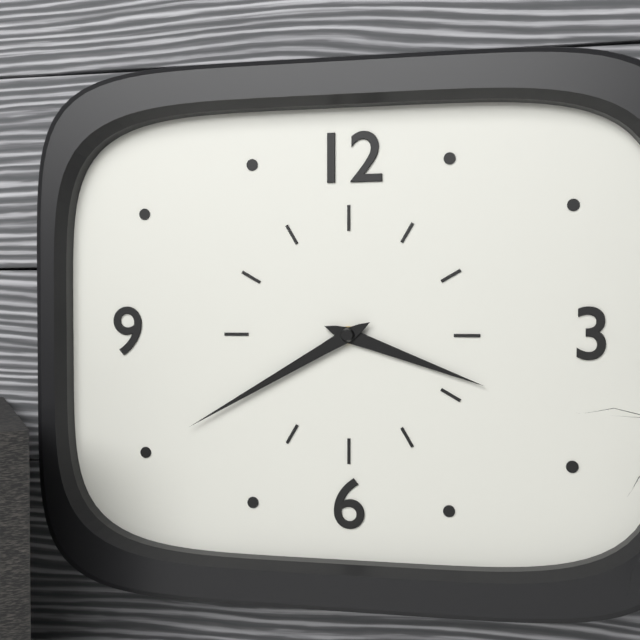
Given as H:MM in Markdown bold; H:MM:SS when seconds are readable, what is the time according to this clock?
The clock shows **3:40**
